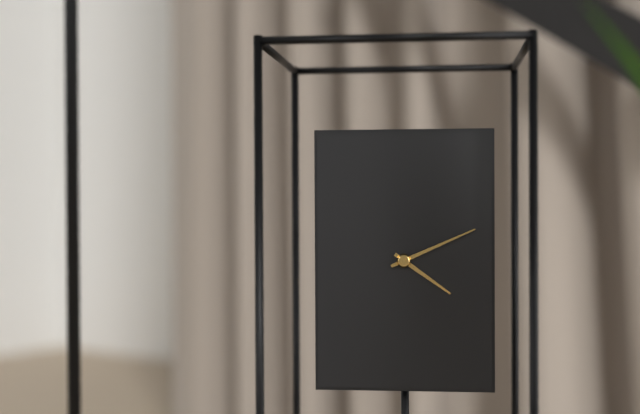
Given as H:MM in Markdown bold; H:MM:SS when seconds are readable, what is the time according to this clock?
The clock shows **4:11**
